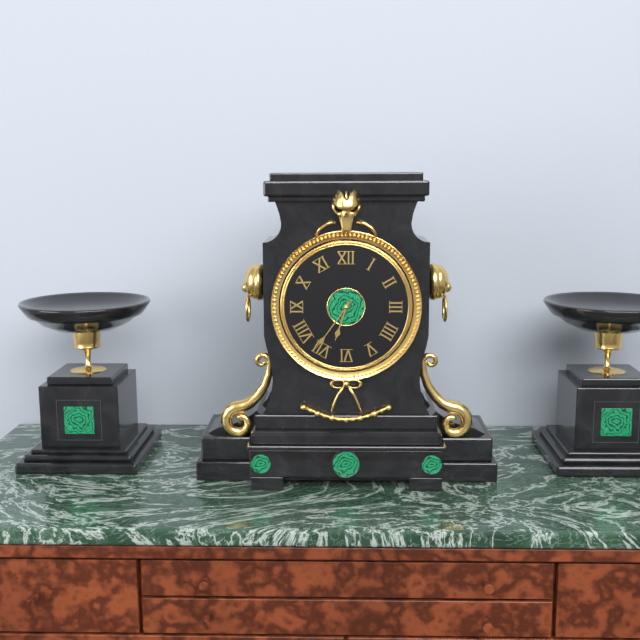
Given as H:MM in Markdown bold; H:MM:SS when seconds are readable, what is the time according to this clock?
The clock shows **6:36**
